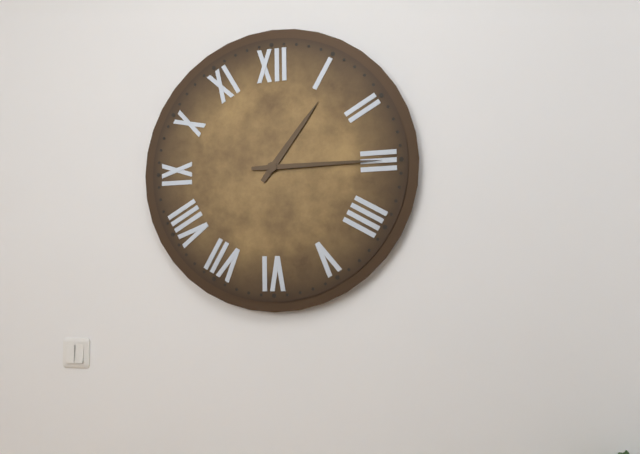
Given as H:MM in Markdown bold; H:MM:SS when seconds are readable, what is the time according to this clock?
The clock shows **1:15**
